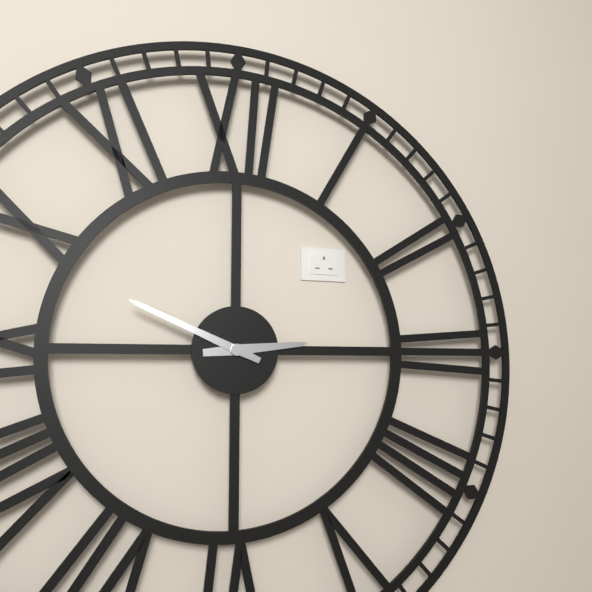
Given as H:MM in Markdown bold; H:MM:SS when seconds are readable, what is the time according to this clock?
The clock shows **2:49**
